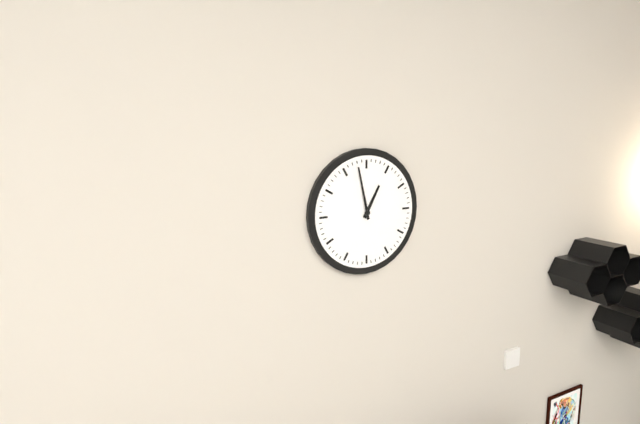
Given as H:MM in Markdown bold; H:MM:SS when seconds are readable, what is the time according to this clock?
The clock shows **12:58**
